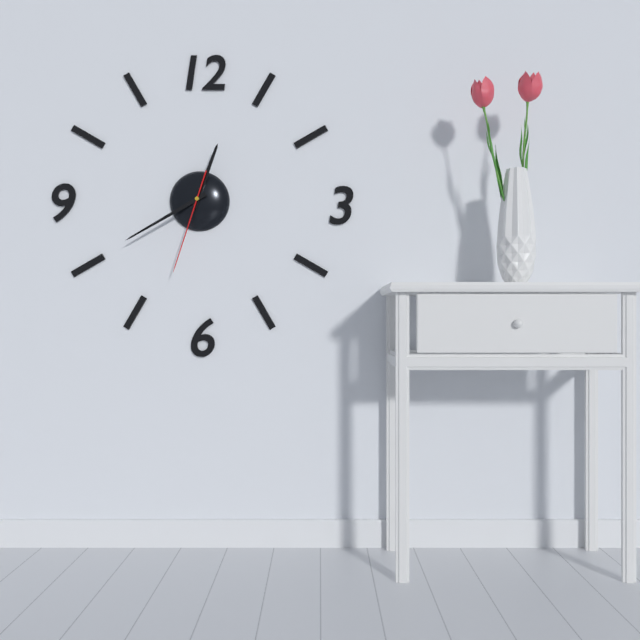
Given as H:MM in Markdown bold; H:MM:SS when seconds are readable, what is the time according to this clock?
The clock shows **12:40:33**
